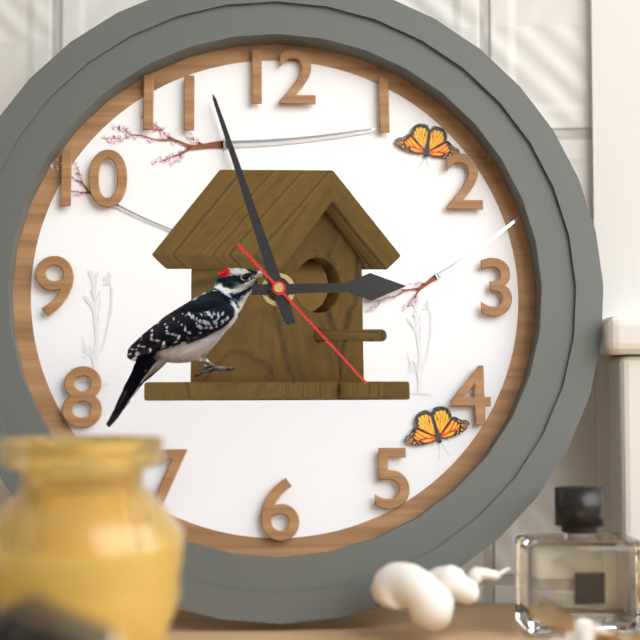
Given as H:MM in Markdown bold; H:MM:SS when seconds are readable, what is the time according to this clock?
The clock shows **2:57:23**
